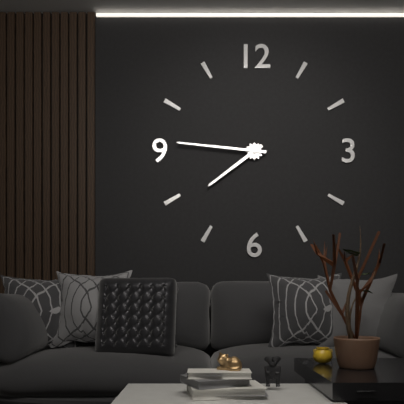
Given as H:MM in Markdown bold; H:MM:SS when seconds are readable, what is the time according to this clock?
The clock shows **7:46**
